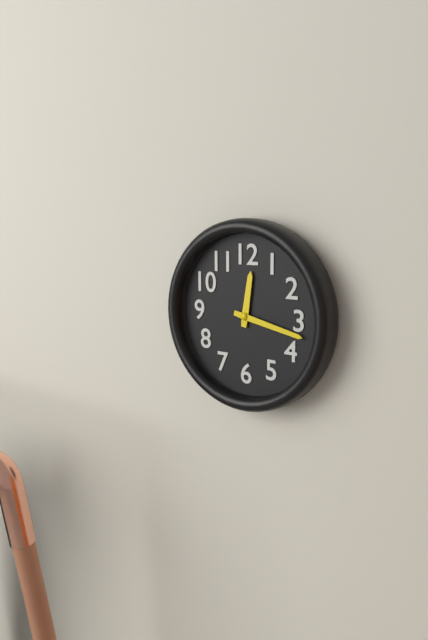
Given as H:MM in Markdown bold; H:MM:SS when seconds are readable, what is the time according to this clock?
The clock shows **12:17**
